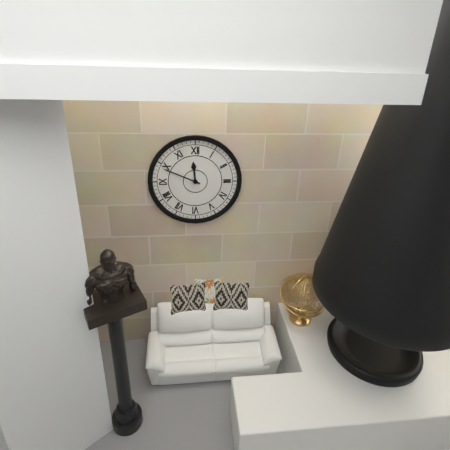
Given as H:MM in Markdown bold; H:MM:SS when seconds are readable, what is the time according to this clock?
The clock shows **11:49**
